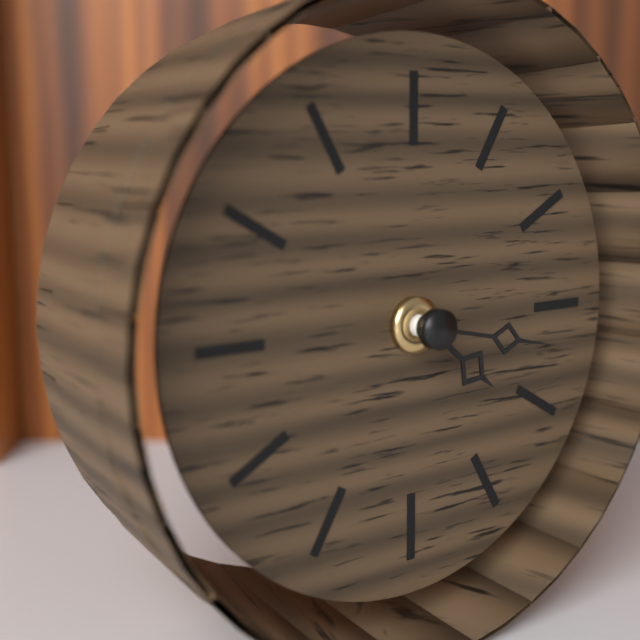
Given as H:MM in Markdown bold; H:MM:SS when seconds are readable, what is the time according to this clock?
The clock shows **4:17**
